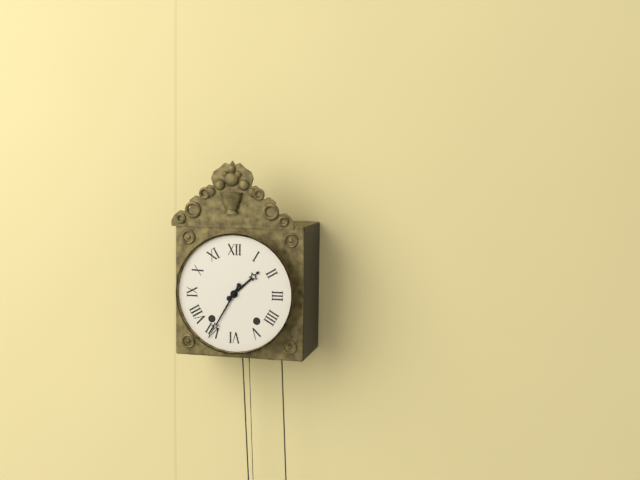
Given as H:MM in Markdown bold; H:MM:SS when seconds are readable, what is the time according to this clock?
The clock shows **1:35**
